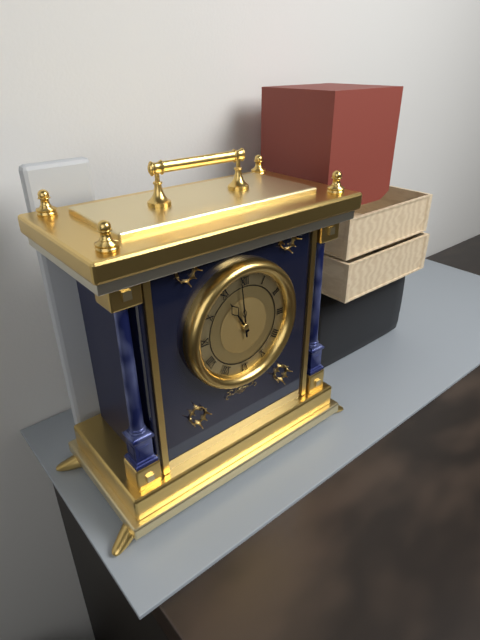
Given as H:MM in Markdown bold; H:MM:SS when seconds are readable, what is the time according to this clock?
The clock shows **10:59**
